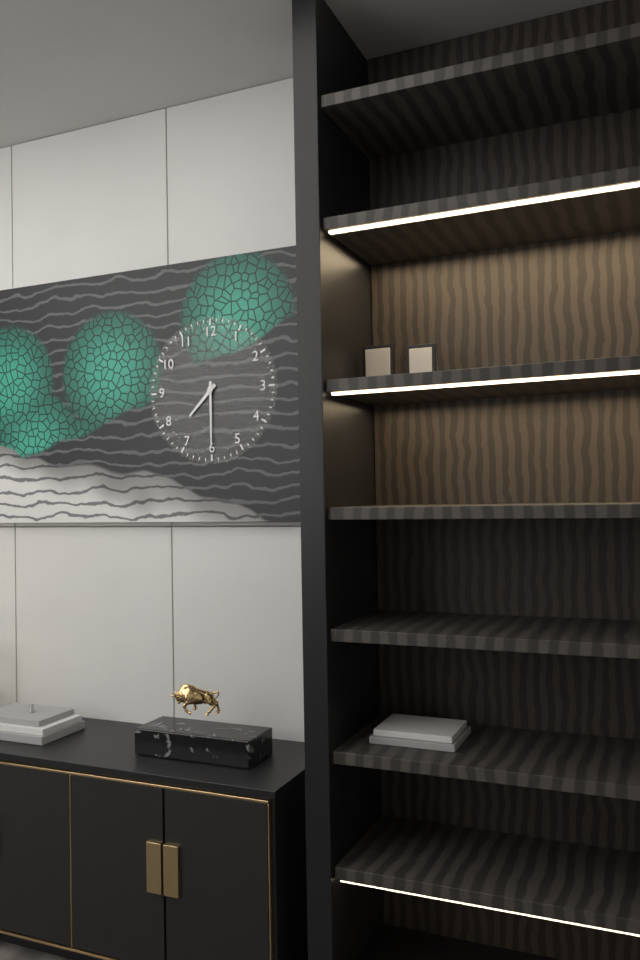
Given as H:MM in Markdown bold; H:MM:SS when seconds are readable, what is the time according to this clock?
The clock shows **7:30**
